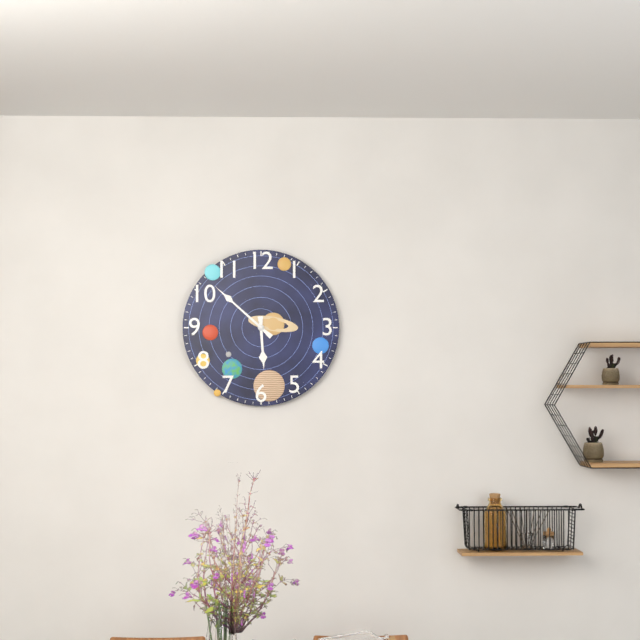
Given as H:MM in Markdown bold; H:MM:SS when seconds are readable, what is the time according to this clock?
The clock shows **5:52**
